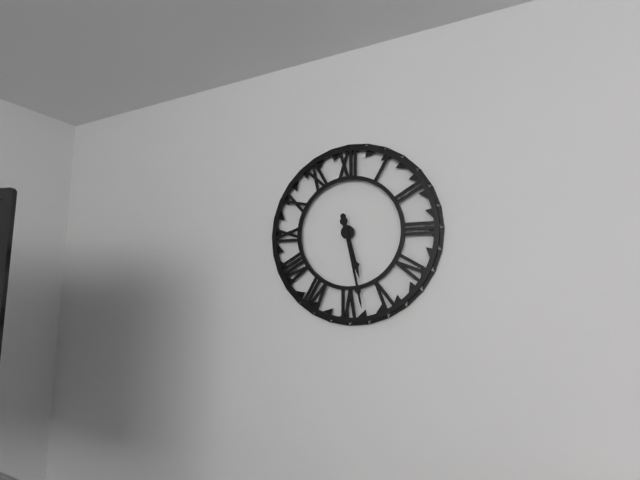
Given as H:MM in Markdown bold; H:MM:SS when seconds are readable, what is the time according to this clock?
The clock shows **5:28**
